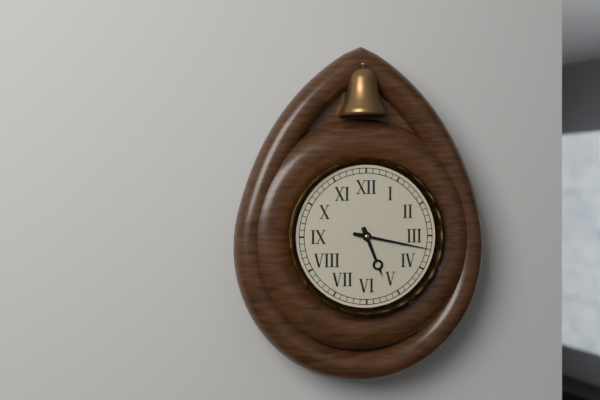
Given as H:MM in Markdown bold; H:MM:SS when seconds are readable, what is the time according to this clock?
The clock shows **5:17**
